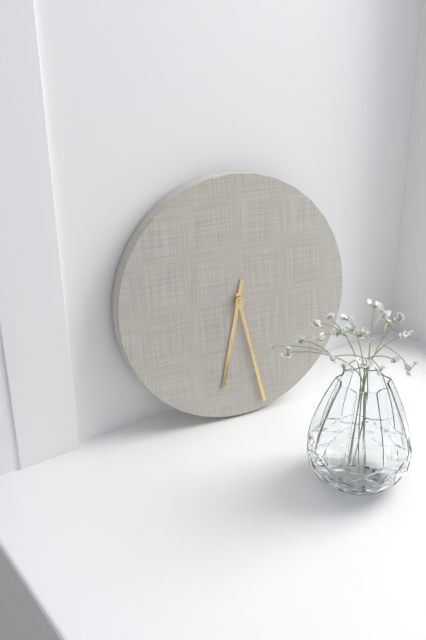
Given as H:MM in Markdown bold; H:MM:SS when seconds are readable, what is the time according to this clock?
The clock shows **6:28**
